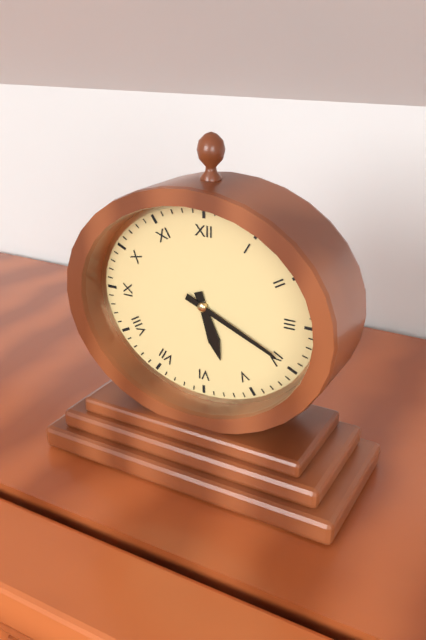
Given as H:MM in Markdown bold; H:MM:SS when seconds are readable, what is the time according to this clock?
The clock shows **5:19**
